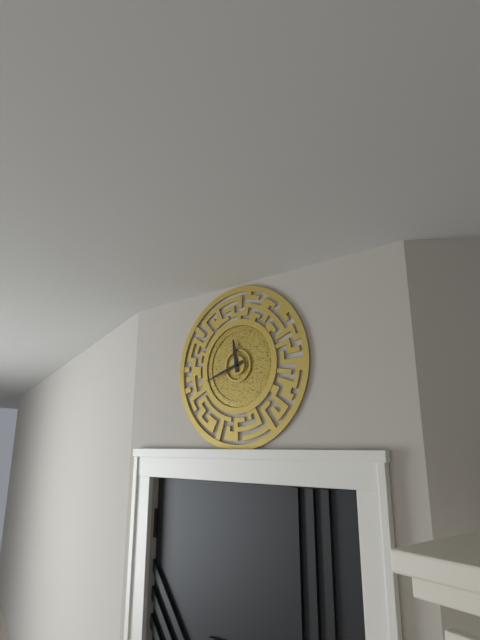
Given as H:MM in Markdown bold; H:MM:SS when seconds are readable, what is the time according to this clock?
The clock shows **11:42**
